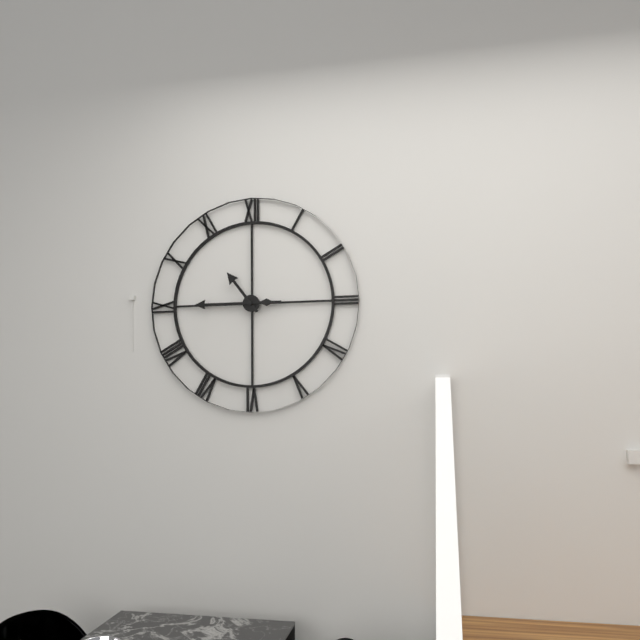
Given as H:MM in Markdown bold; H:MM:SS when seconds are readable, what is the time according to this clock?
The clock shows **10:45**
